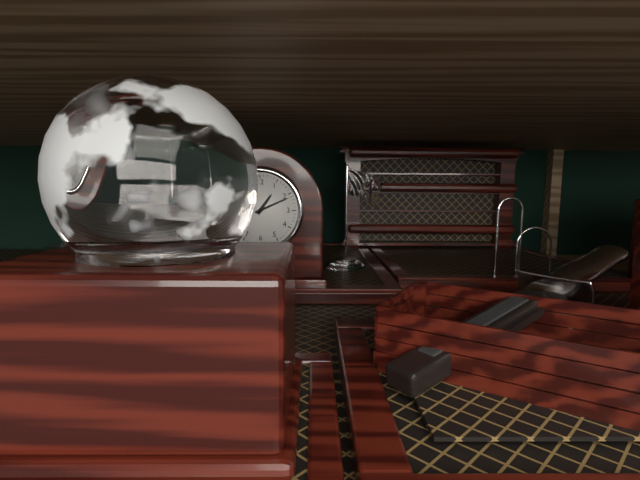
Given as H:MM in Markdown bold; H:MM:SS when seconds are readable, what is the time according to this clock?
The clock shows **1:11**
